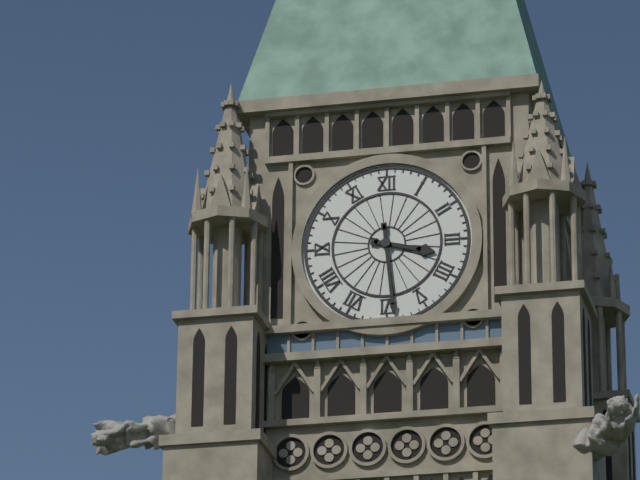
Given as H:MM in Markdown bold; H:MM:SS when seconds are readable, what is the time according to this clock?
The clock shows **3:29**
